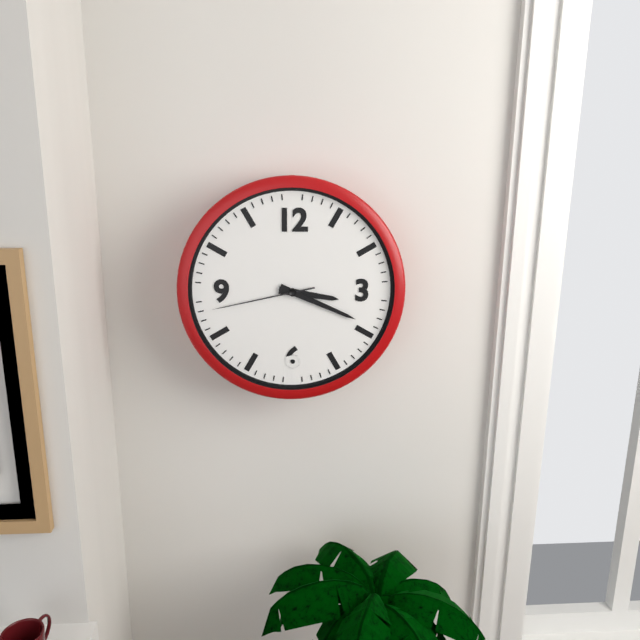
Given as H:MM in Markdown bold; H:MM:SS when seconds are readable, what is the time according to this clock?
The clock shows **3:19:43**
